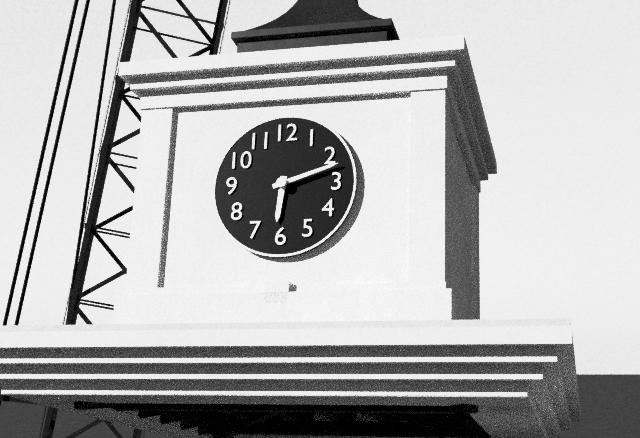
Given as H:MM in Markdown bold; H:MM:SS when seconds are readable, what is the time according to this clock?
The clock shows **6:12**
